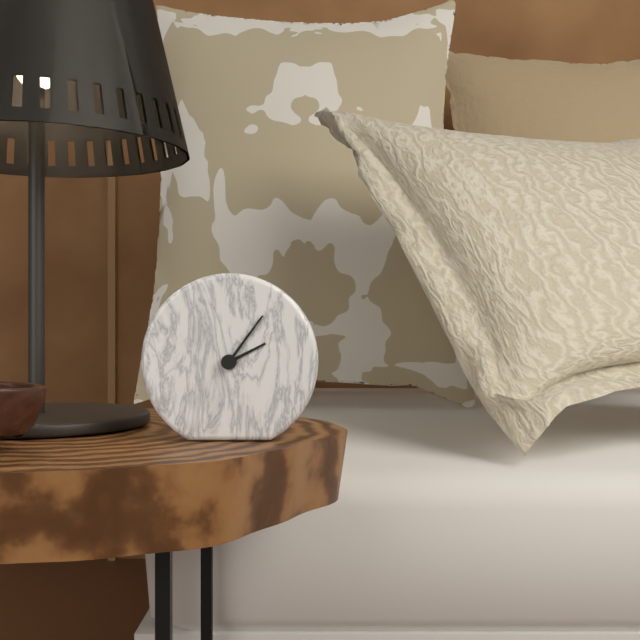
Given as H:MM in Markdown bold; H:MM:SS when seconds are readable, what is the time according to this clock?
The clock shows **2:06**
